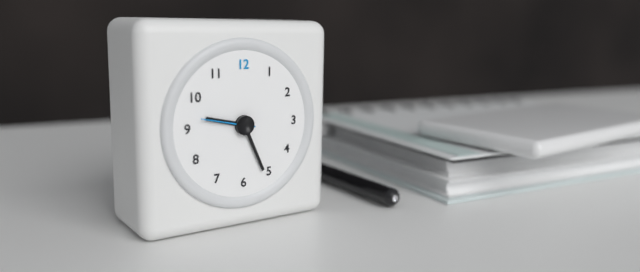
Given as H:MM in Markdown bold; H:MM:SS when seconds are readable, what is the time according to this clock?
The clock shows **9:26:47**
